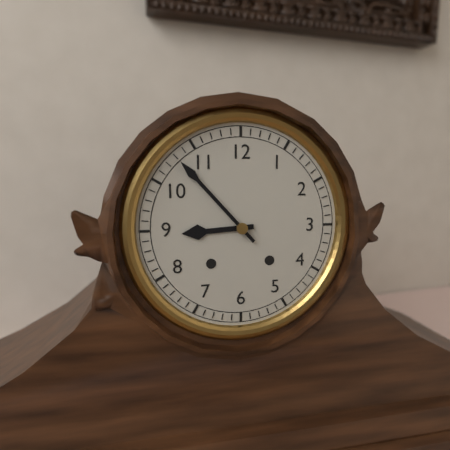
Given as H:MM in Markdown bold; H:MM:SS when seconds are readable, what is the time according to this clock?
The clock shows **8:53**
